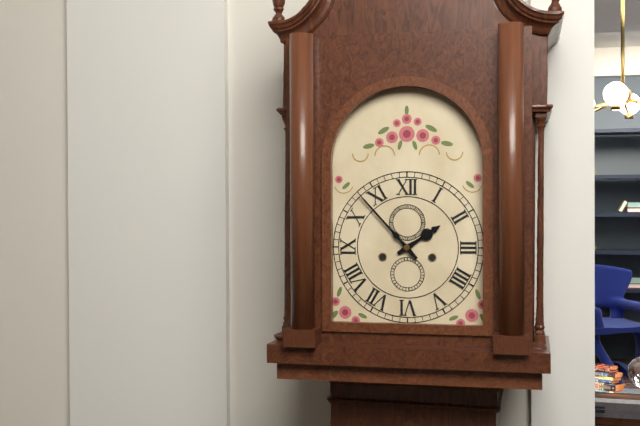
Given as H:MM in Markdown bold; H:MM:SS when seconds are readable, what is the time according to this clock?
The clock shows **1:53**
